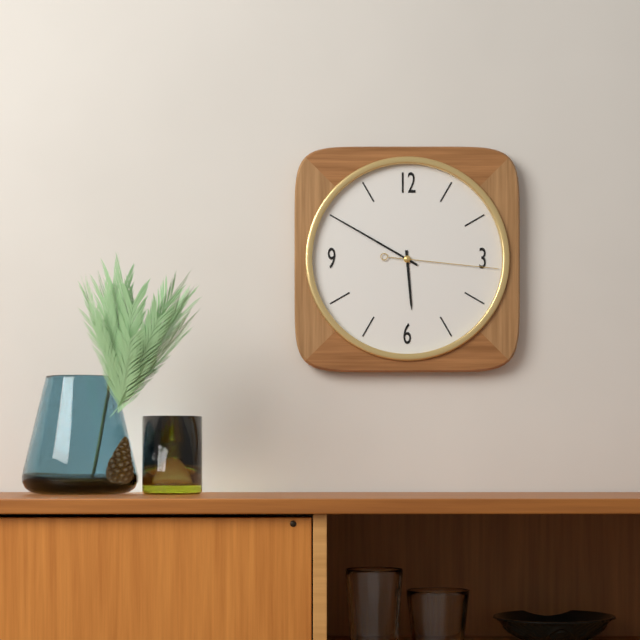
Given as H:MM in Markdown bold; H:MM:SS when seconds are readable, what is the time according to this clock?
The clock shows **5:50:16**
